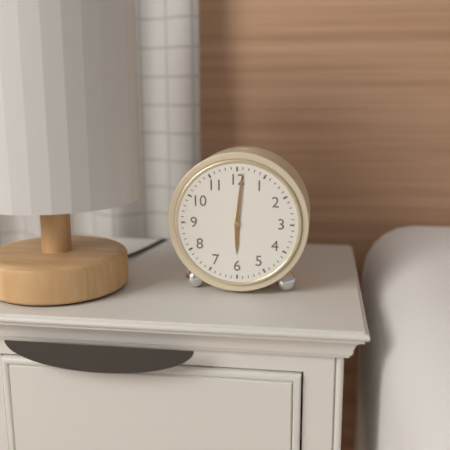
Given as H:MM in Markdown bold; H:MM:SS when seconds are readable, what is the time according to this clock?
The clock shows **6:01**
